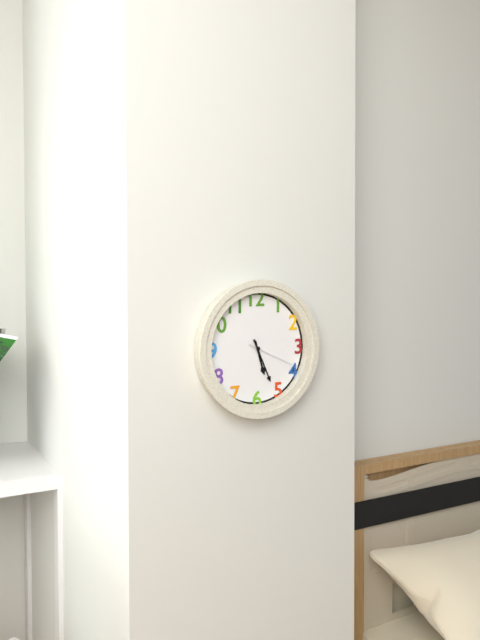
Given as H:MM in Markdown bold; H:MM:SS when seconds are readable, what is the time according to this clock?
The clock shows **5:26**
